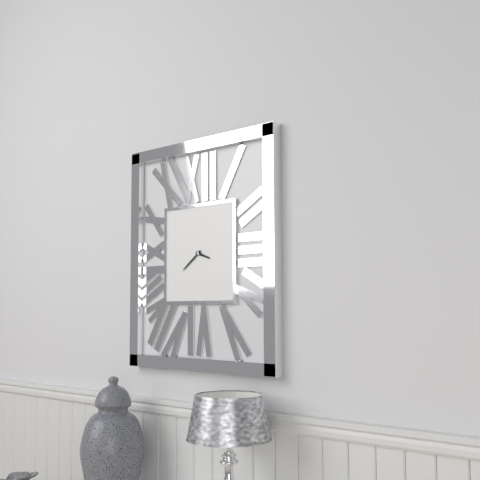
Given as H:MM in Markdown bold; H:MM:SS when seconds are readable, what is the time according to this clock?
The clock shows **3:39**
